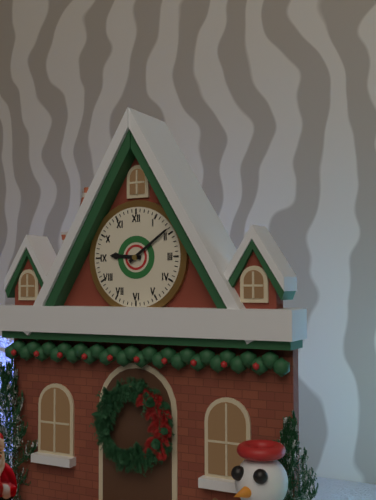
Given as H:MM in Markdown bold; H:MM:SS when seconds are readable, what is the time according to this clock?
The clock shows **9:09**
